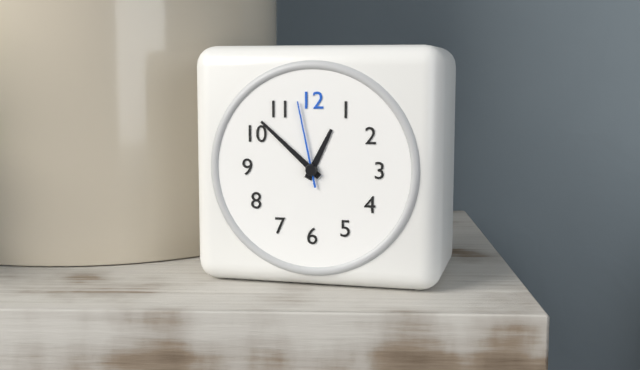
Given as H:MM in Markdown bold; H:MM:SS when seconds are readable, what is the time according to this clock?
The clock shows **12:52:58**
